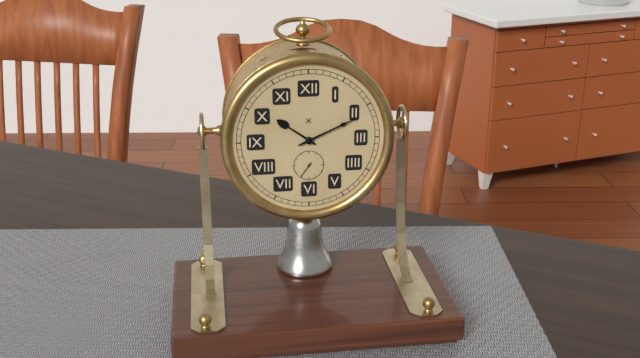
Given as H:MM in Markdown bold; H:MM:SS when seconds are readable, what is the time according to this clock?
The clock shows **10:11**
